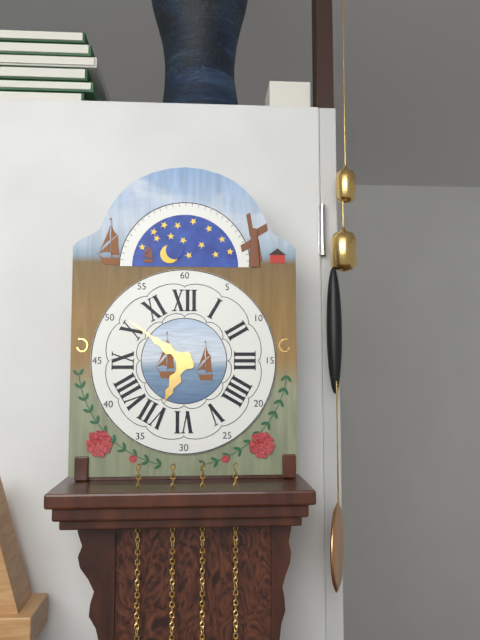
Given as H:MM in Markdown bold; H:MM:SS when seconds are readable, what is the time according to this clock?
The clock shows **6:51**
